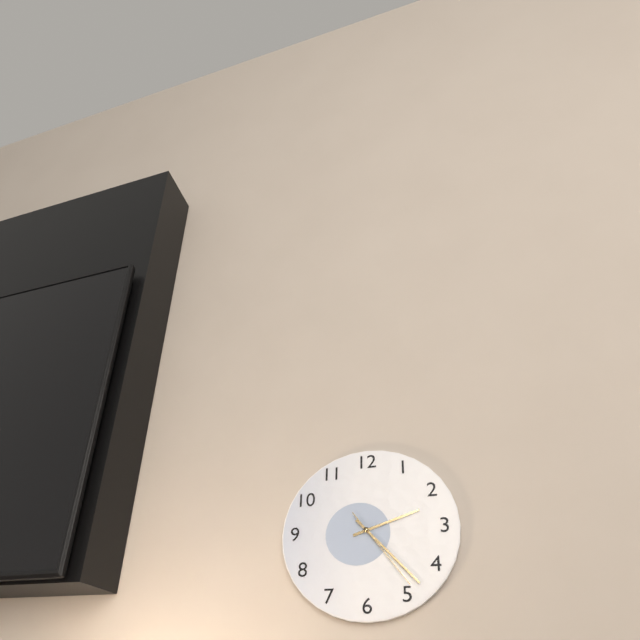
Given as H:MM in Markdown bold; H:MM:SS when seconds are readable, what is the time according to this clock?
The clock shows **2:23:24**
